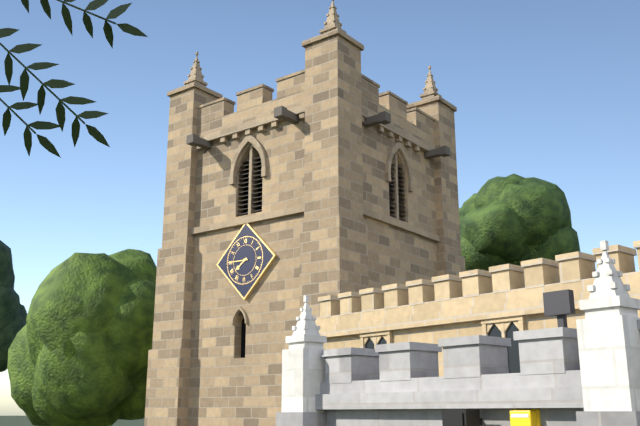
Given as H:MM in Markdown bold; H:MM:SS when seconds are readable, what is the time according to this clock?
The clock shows **7:45**
